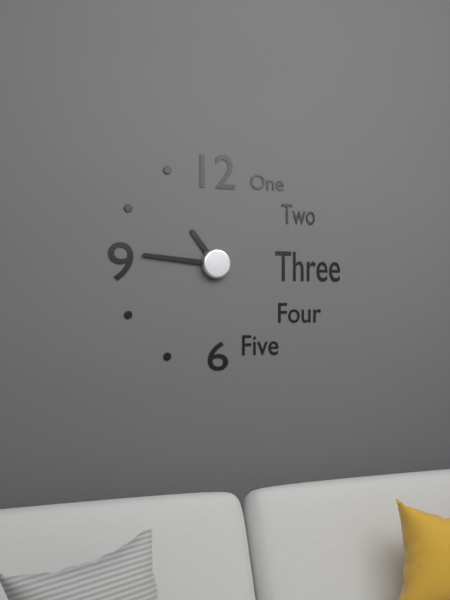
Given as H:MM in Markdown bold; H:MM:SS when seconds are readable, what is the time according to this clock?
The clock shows **10:46**
